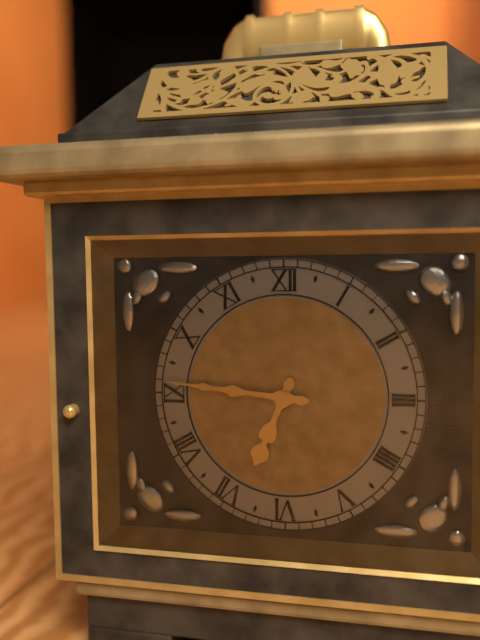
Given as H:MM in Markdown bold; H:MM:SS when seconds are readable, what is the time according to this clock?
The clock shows **6:46**
